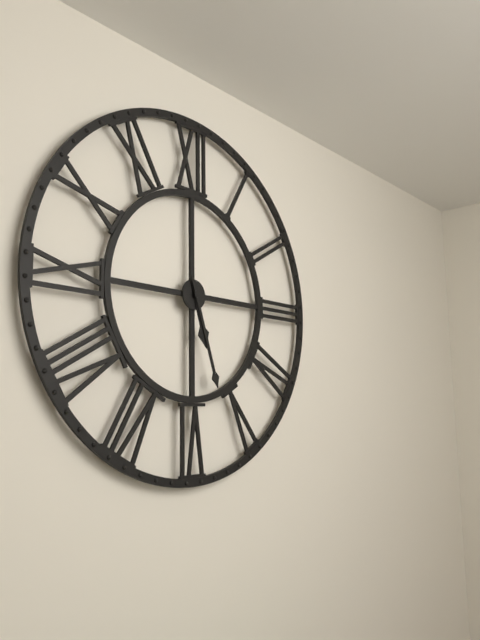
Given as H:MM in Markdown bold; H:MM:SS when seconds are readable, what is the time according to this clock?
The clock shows **5:27**
